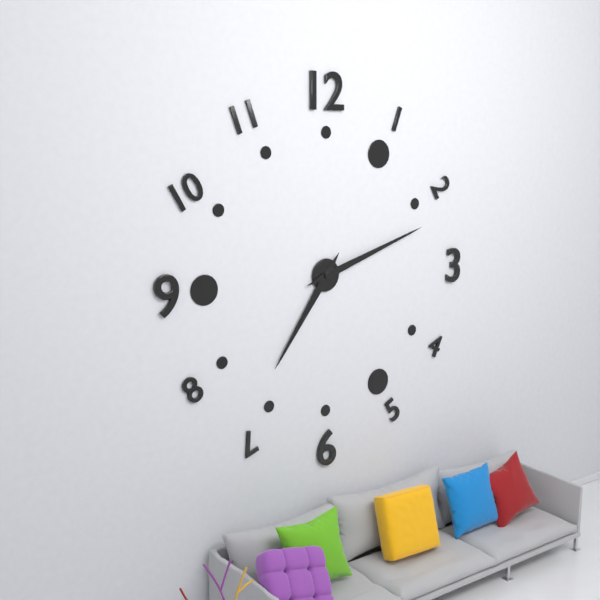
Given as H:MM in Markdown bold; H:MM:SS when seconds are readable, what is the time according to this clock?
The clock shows **7:12**
